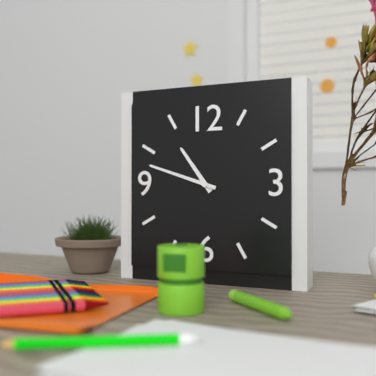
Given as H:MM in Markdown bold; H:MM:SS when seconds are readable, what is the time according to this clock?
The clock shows **10:48**
